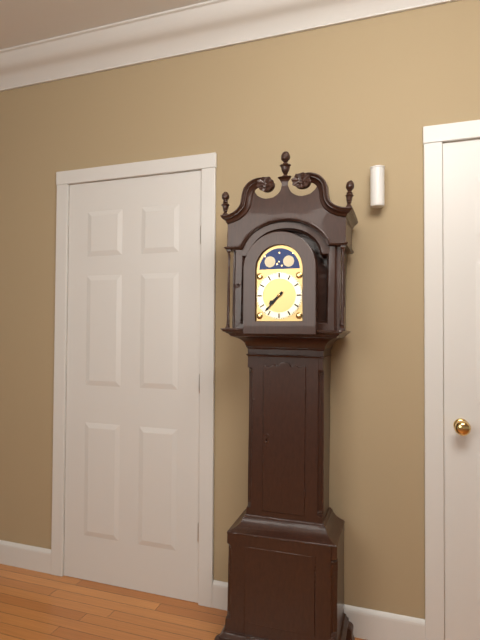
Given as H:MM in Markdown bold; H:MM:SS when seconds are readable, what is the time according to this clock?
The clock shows **7:37**
